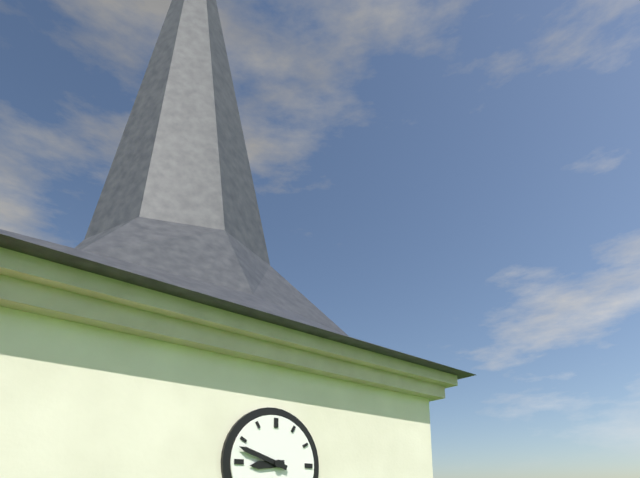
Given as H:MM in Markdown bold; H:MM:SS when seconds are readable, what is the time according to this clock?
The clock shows **8:48**
